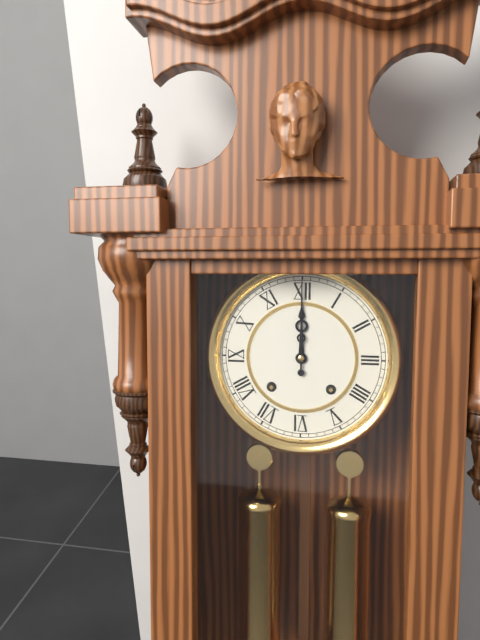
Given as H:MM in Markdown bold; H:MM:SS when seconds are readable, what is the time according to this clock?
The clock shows **12:00**
